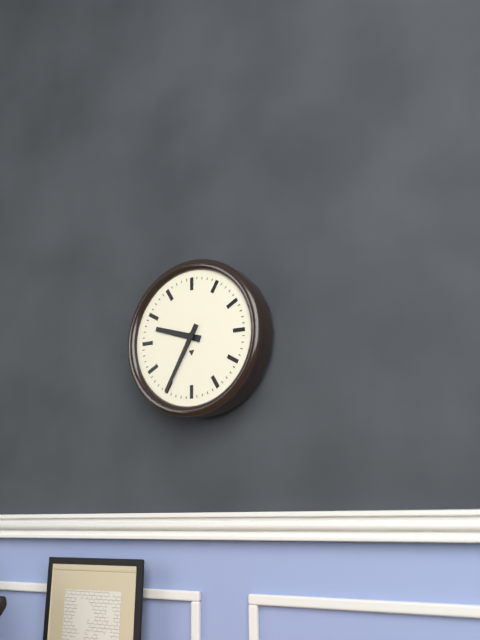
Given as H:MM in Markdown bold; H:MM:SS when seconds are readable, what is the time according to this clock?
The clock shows **9:35**
